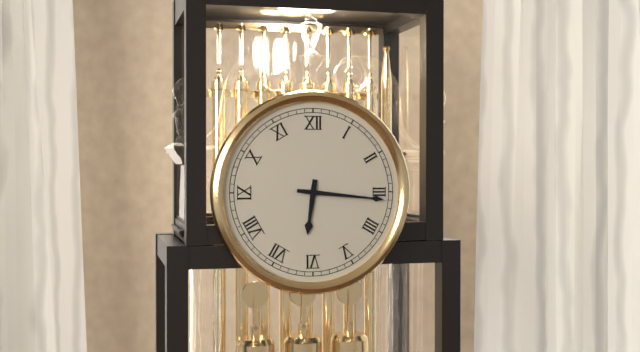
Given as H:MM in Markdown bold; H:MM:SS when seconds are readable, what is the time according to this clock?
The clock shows **6:16**
